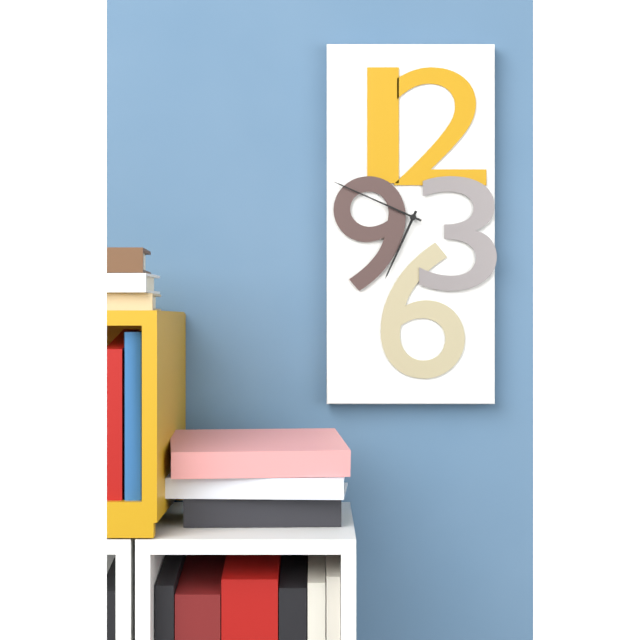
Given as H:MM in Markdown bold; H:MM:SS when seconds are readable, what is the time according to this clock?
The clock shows **6:49**
